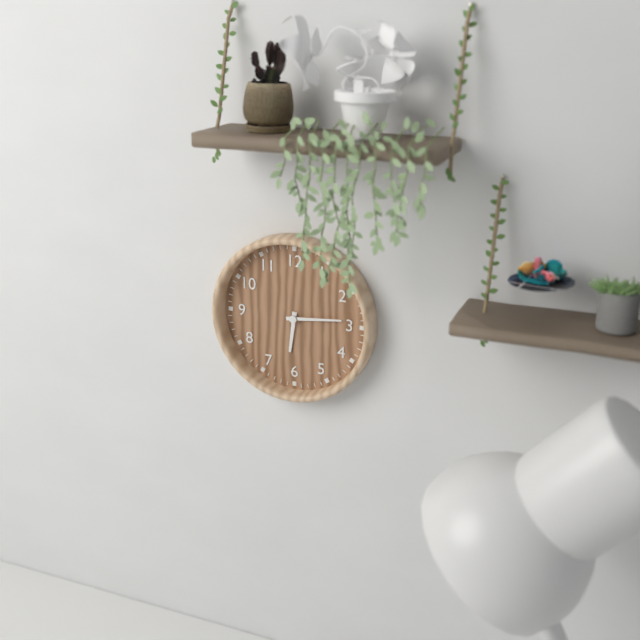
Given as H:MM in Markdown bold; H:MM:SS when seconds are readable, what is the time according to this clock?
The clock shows **6:14**
